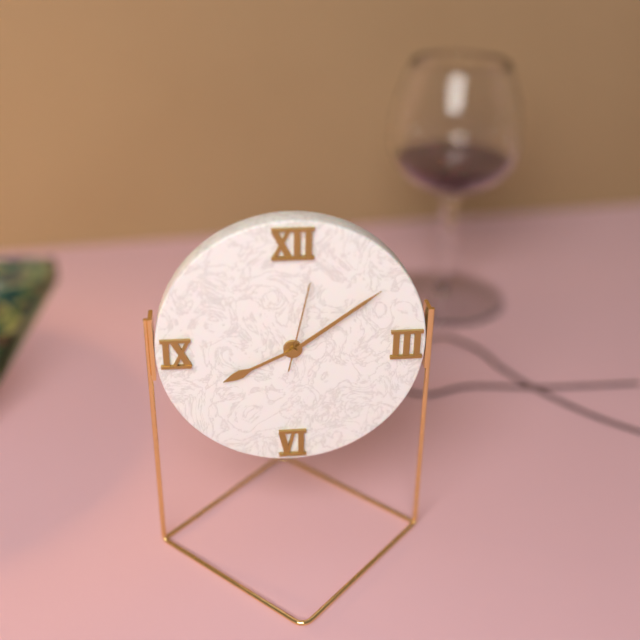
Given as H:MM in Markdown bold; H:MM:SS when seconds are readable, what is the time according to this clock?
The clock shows **8:09:02**
